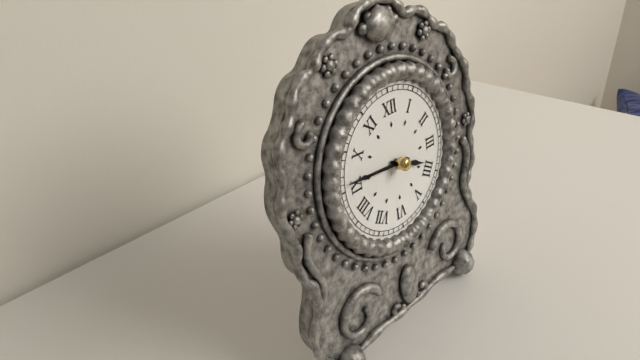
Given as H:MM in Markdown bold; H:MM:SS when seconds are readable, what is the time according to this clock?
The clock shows **3:46**
